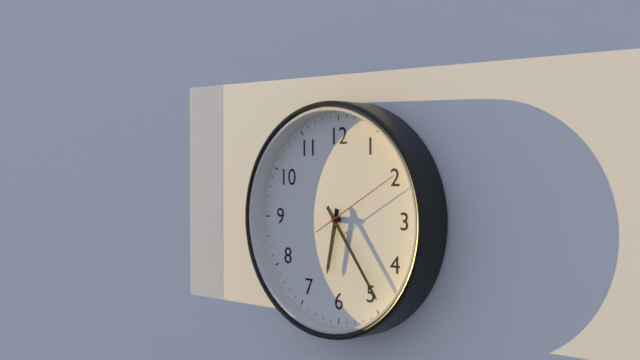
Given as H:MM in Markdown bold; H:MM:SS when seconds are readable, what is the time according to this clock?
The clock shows **6:24:10**
